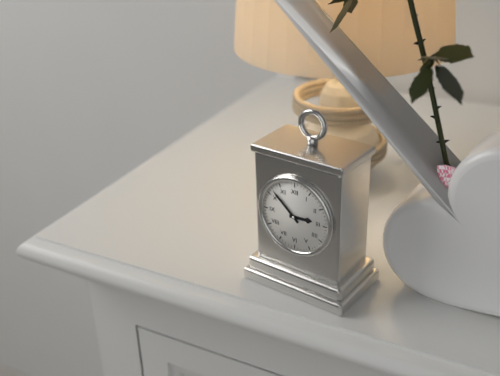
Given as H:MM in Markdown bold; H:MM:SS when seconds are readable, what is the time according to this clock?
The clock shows **2:52**
